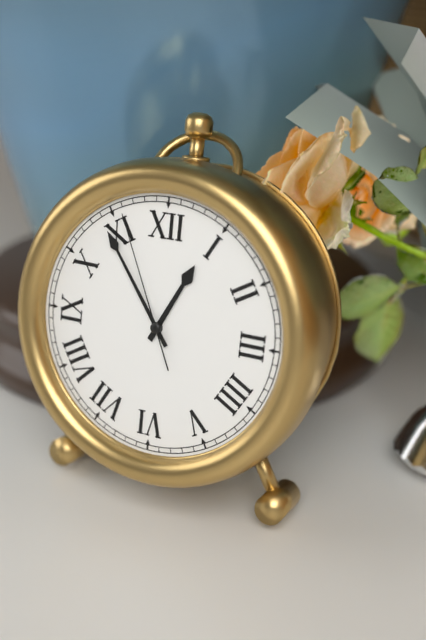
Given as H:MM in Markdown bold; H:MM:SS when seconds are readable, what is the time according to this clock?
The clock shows **12:54:56**
